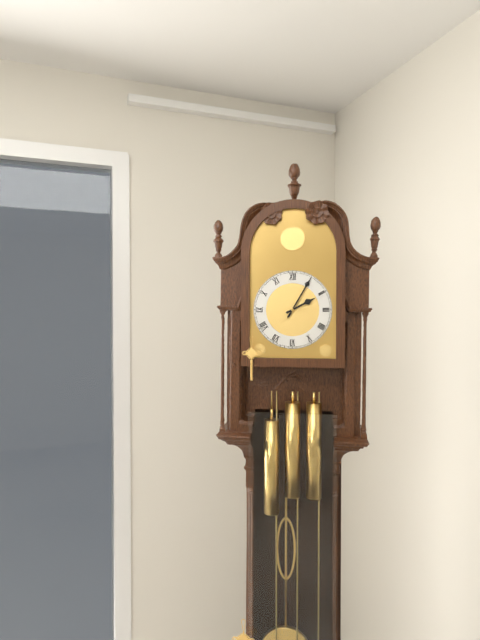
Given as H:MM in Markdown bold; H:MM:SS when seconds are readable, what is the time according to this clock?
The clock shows **2:05**
